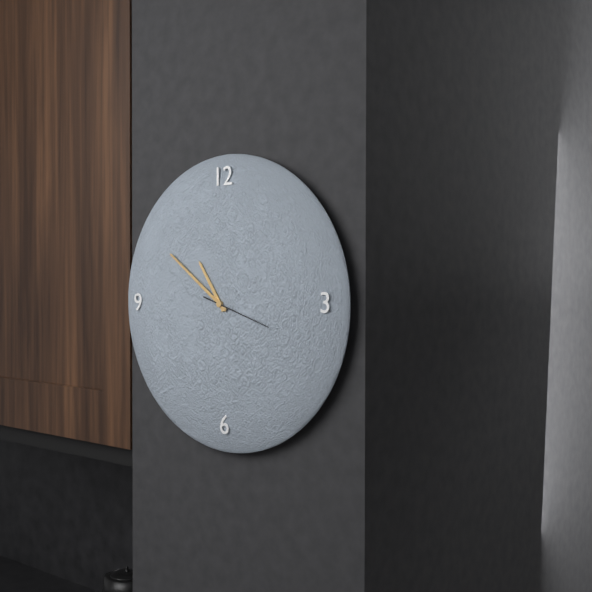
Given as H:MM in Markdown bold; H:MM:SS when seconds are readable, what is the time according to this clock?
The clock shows **10:51:18**
